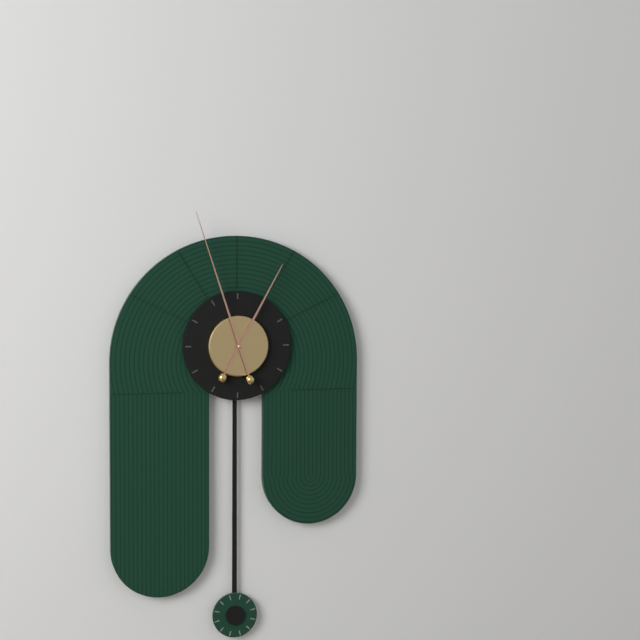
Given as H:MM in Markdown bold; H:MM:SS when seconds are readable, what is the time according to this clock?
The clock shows **12:57**
